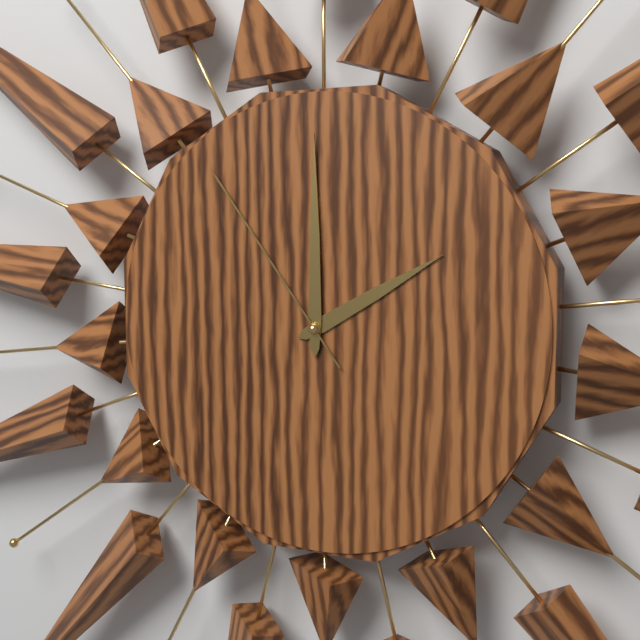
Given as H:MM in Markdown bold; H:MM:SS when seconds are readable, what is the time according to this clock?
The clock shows **2:00:54**
